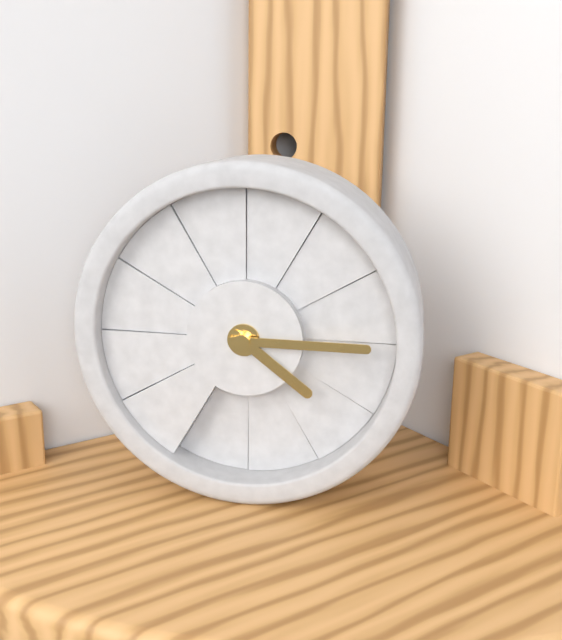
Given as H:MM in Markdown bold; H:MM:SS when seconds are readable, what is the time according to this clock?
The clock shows **4:15**
